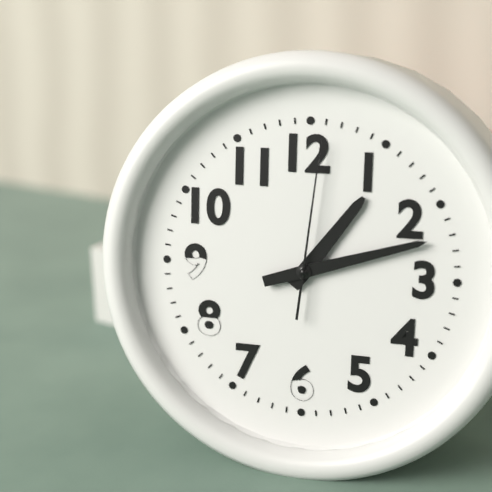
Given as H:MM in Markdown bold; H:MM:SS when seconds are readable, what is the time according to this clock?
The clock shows **1:12:01**
